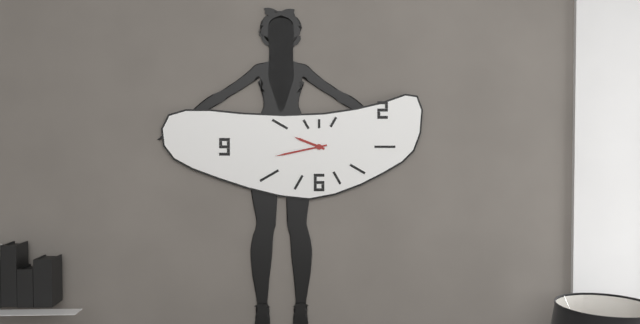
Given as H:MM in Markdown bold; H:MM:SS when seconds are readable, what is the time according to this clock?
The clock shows **9:43**
